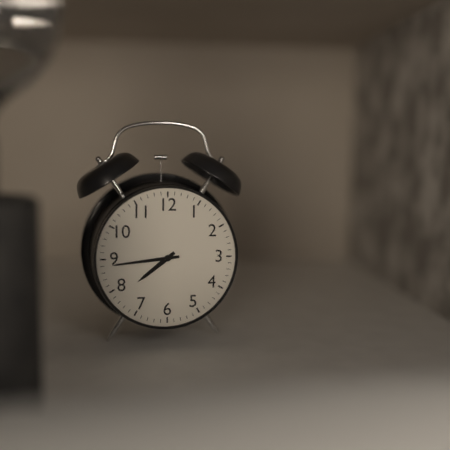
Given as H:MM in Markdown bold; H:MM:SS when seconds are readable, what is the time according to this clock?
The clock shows **7:44**
